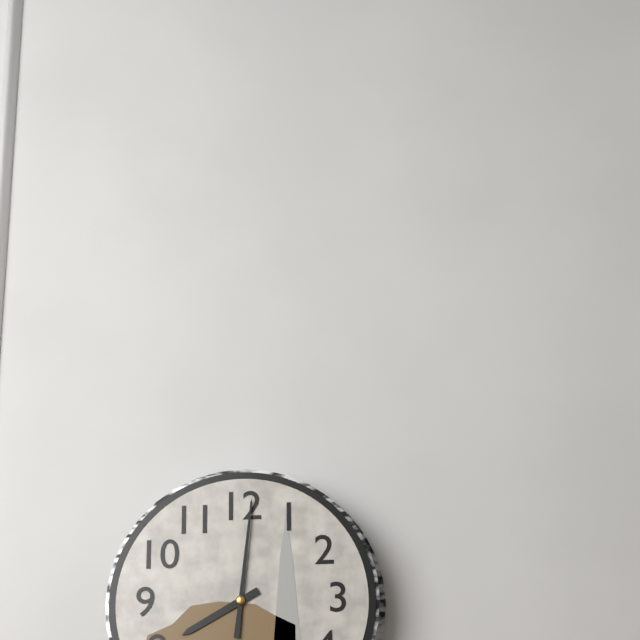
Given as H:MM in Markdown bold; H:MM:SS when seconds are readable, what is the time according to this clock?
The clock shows **8:01**
